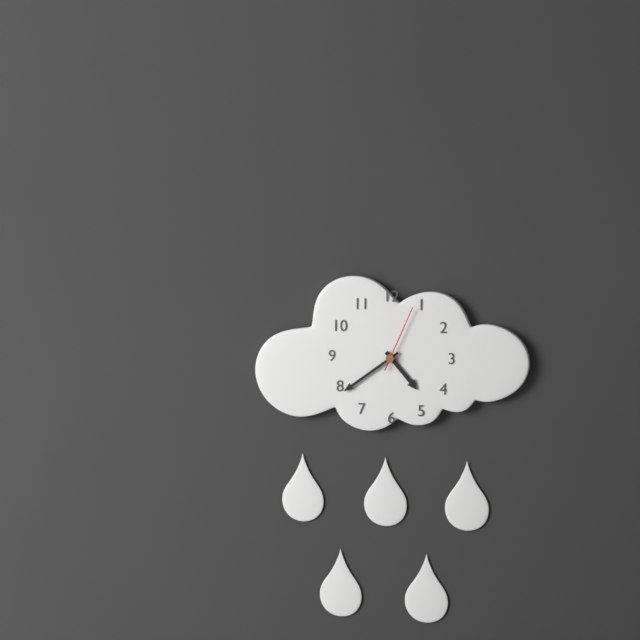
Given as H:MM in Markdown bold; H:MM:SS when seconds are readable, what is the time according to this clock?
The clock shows **4:39:04**
